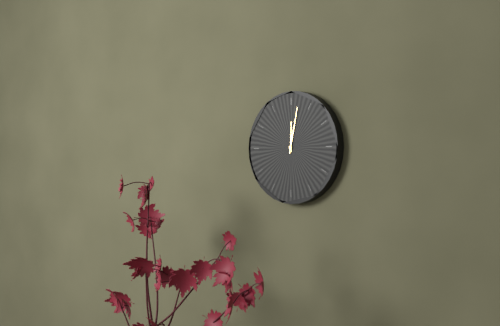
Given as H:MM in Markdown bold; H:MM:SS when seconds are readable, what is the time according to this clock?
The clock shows **12:02**
